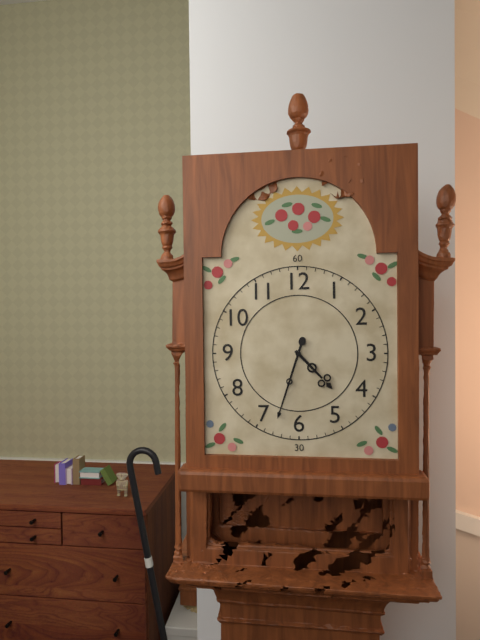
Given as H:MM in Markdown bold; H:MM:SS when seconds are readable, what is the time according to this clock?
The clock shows **4:33**
